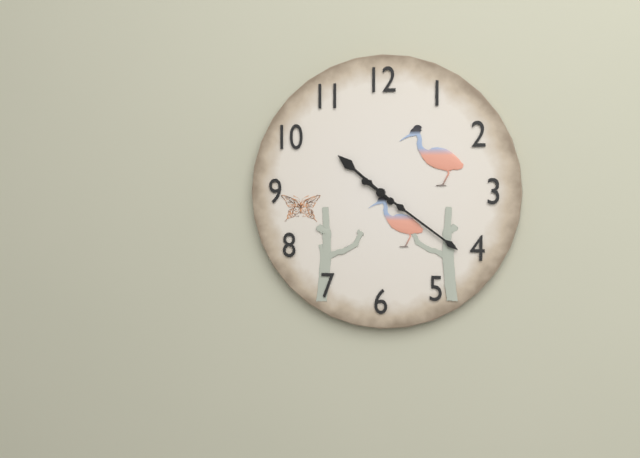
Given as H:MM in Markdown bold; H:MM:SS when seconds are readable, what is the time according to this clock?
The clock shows **10:21**
